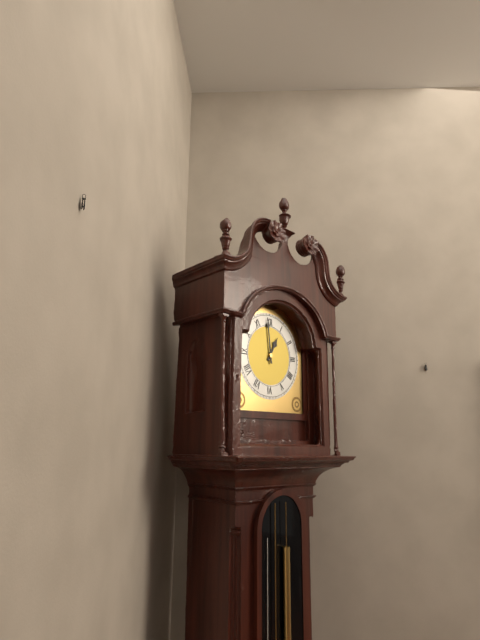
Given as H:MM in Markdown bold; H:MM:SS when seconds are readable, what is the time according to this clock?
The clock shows **12:59**
